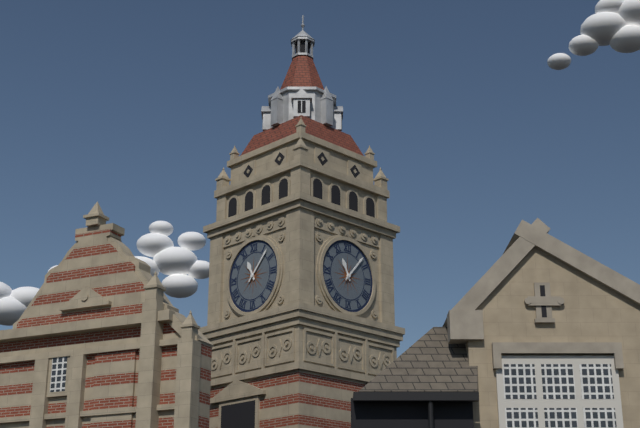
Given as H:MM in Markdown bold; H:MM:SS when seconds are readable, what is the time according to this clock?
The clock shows **11:07**
